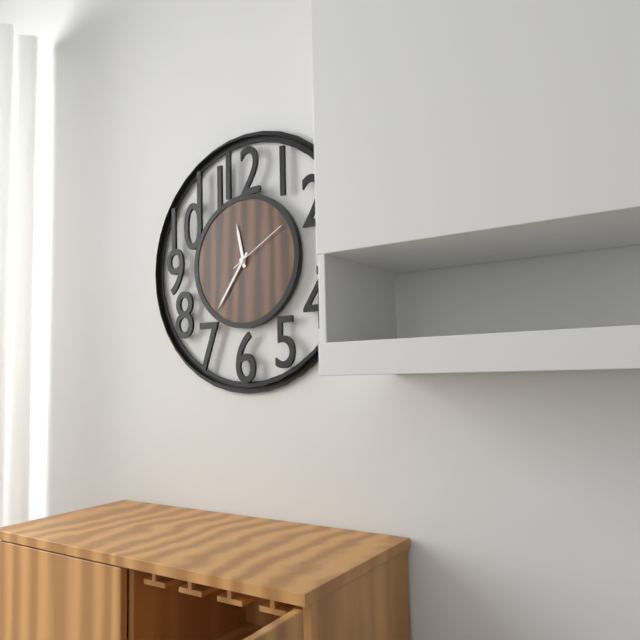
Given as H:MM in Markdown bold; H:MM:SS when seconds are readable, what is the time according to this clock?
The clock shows **11:36:10**
